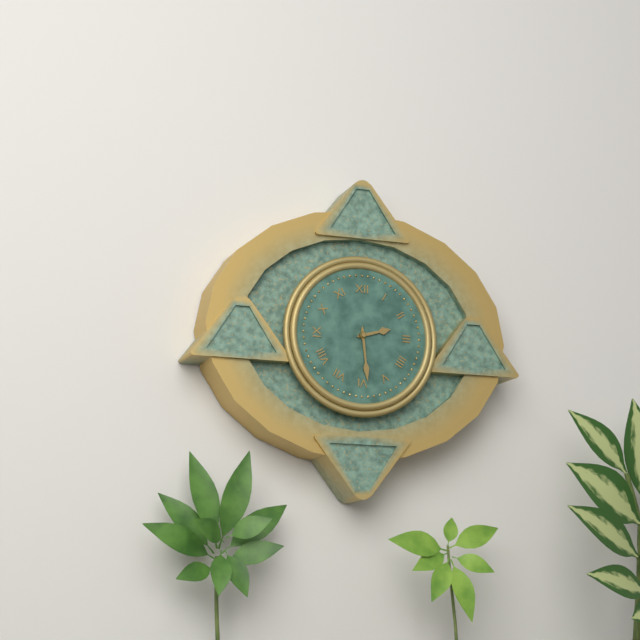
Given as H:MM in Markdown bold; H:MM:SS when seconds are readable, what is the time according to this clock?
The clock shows **2:29**
